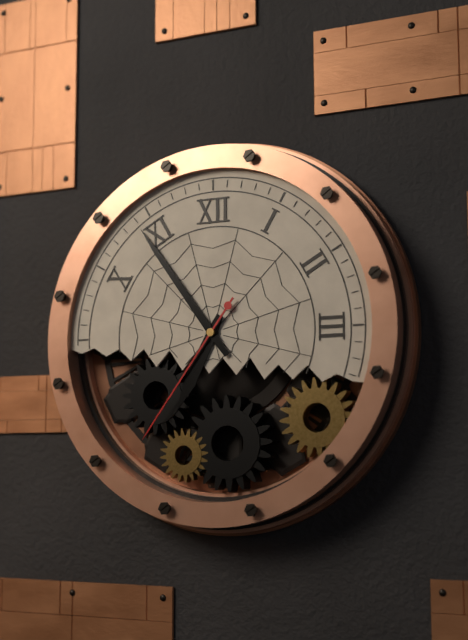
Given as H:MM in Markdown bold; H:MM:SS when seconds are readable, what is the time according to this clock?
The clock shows **6:54:36**
